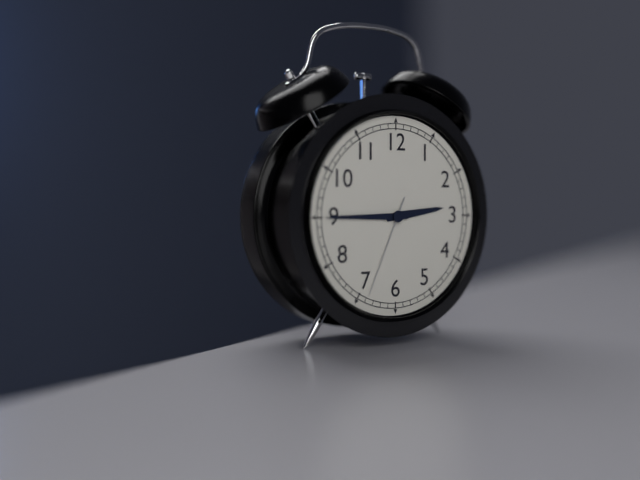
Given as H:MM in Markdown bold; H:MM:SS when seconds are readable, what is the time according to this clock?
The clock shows **2:45:34**
